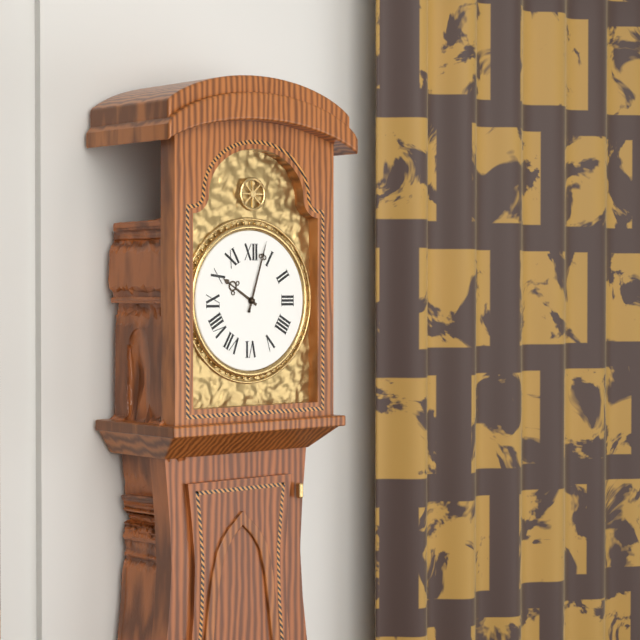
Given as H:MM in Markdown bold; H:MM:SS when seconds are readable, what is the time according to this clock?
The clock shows **10:03**
